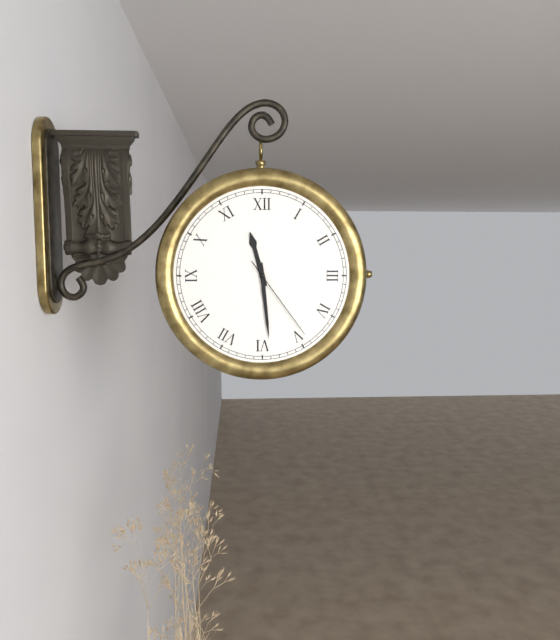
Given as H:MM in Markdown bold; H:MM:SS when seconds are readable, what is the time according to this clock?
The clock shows **11:29:24**
